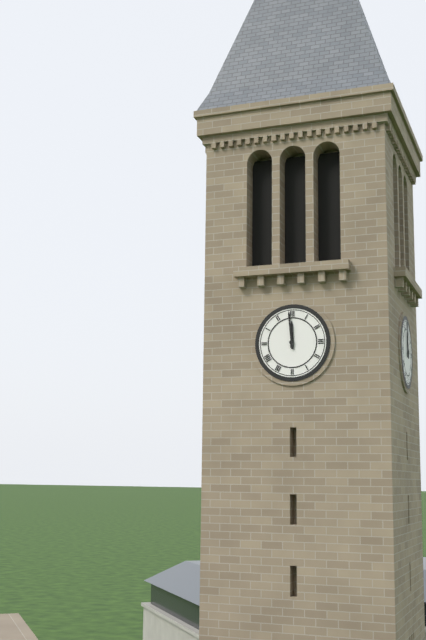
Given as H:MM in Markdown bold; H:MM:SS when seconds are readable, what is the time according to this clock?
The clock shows **11:59**
